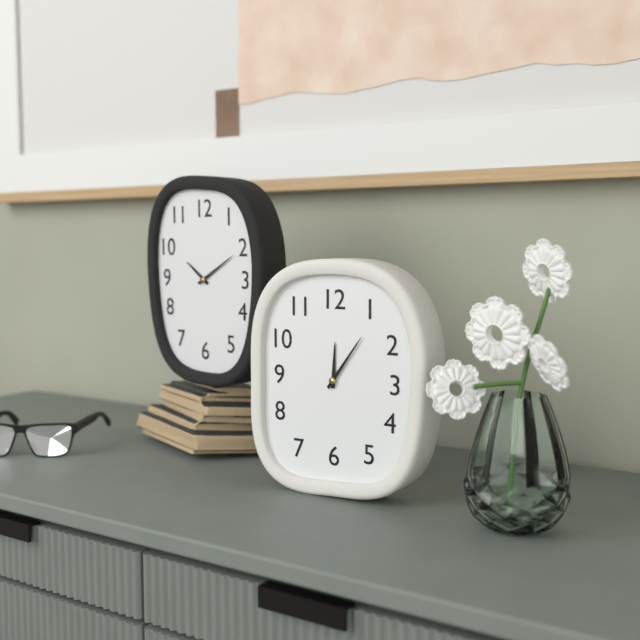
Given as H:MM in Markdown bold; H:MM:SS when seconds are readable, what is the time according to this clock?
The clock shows **12:06**
